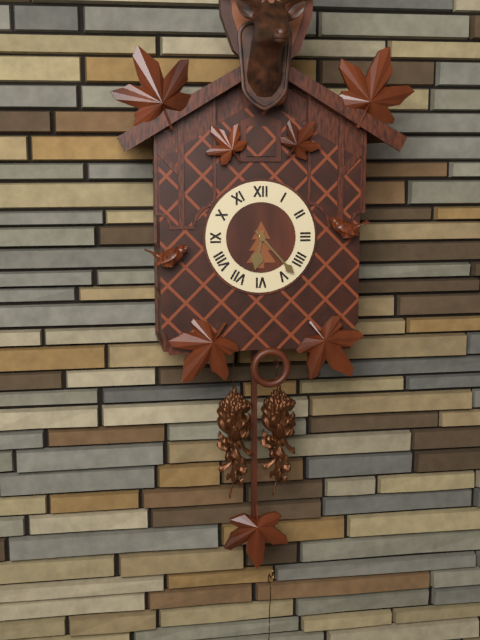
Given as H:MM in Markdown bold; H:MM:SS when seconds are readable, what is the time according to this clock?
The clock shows **6:23**
